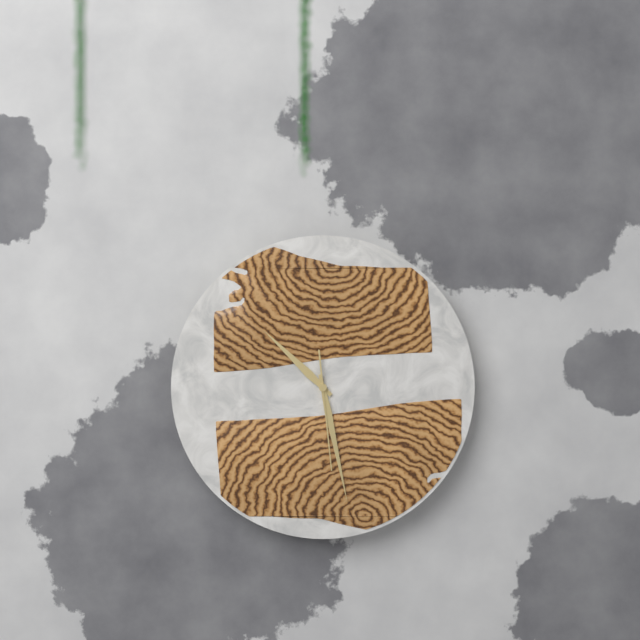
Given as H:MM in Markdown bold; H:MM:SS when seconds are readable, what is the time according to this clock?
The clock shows **10:28:29**
